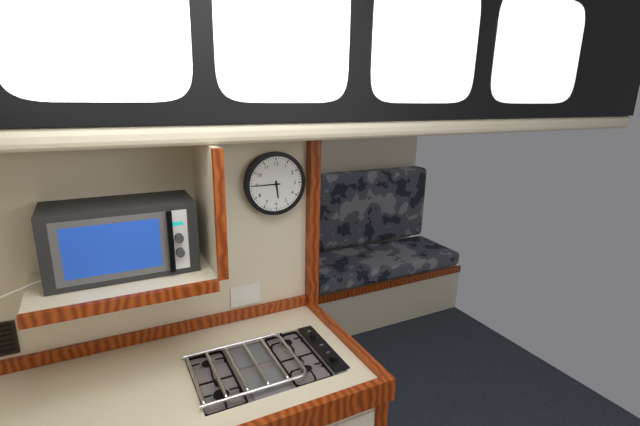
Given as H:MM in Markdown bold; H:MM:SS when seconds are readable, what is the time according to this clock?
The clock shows **5:45**
